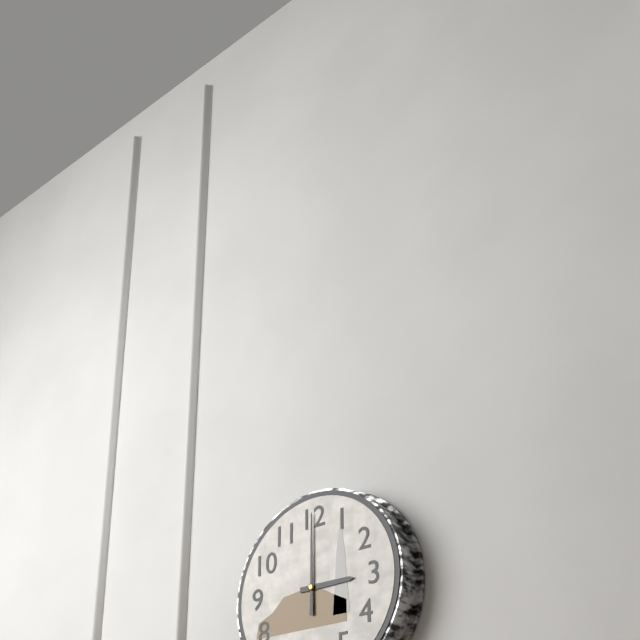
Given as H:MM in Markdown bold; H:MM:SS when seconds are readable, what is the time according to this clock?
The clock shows **3:00**
